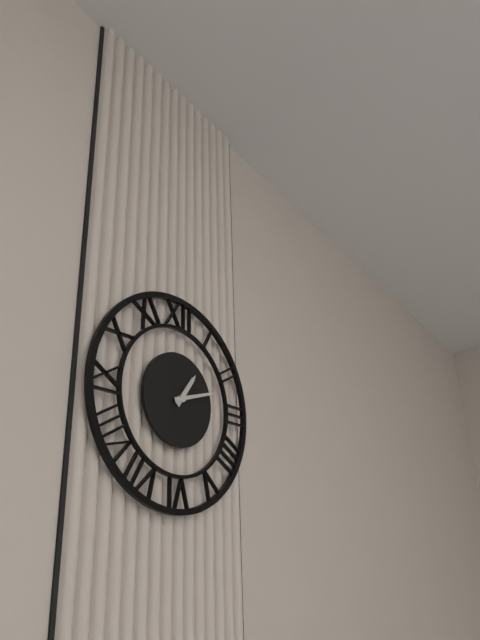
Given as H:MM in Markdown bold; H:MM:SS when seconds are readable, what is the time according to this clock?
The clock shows **1:12**
